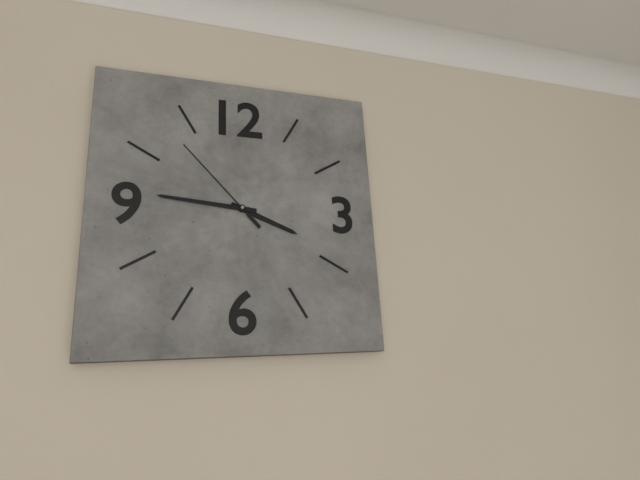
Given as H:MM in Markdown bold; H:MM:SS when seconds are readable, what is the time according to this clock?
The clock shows **3:46:53**
